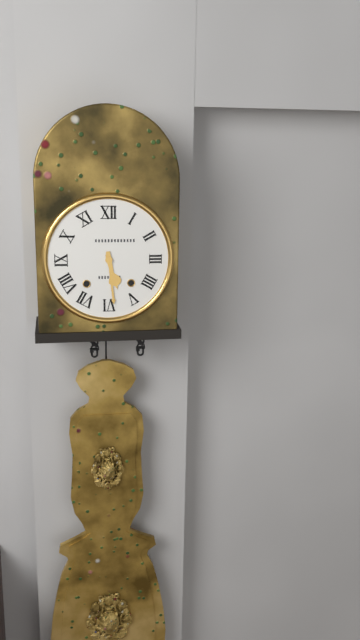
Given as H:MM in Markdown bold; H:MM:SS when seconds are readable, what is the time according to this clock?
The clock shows **5:29**
